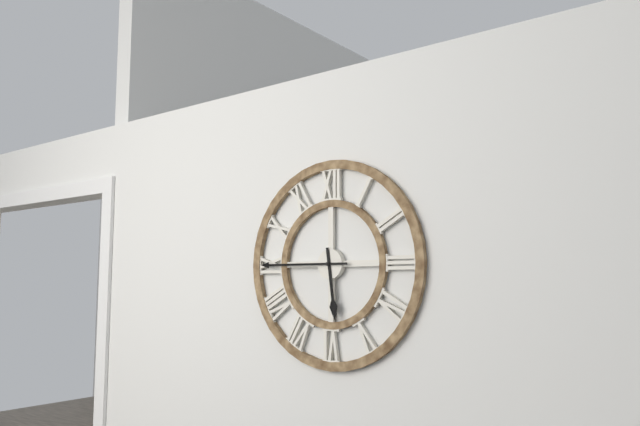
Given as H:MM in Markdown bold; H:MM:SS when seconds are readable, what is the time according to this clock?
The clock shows **5:45**
